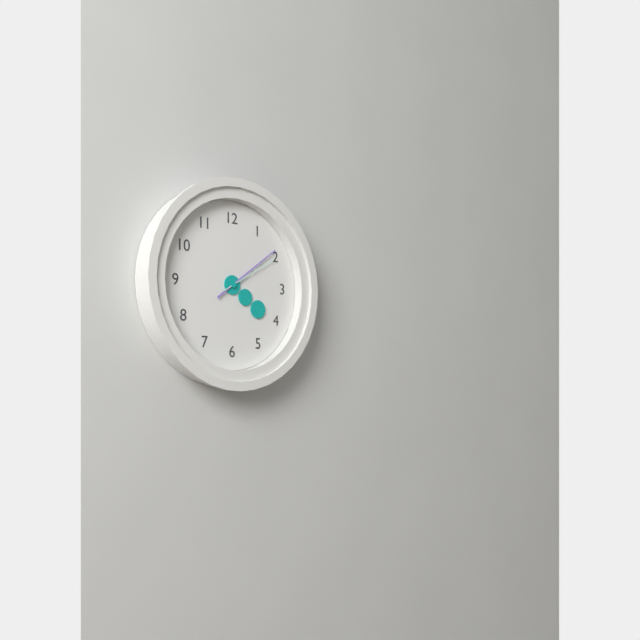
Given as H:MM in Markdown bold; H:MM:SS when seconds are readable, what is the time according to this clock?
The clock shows **4:09:10**
